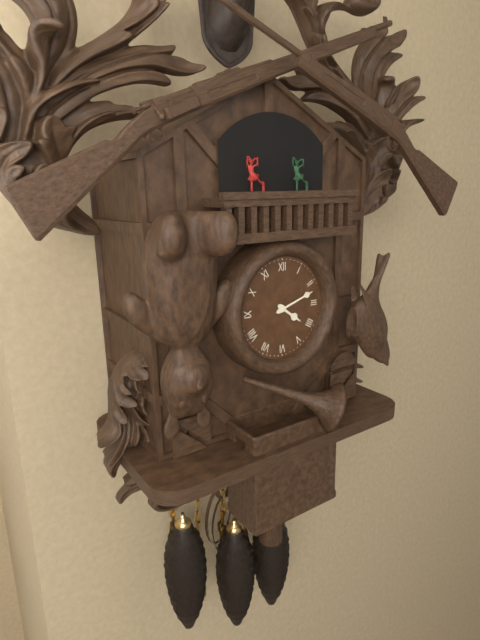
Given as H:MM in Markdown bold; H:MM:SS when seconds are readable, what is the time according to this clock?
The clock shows **4:12**
